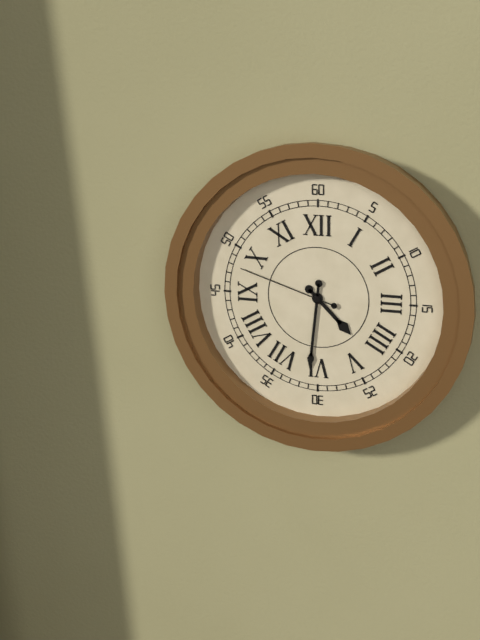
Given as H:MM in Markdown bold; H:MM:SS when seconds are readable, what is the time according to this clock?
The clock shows **4:31:48**
